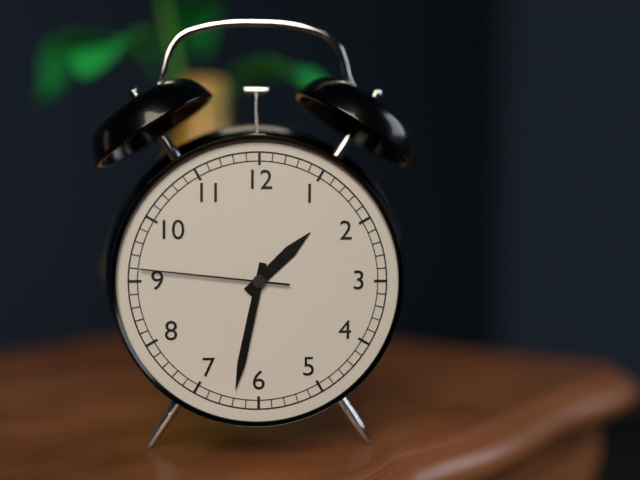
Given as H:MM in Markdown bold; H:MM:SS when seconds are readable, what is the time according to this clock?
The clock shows **1:32:46**
